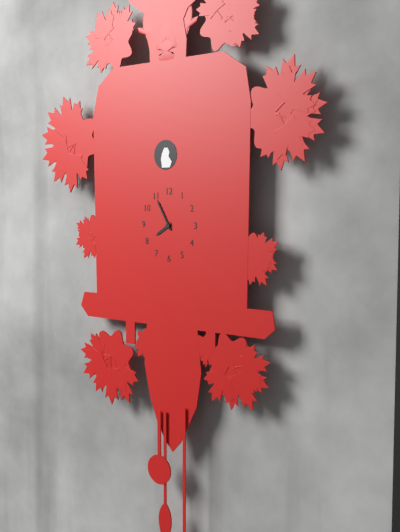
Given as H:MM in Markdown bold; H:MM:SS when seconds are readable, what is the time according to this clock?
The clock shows **7:55**
